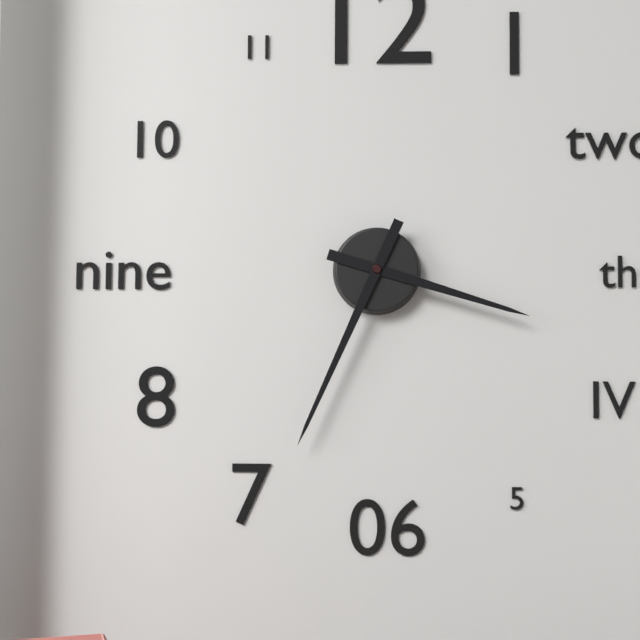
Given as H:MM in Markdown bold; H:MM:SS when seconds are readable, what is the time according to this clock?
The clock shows **3:34**
